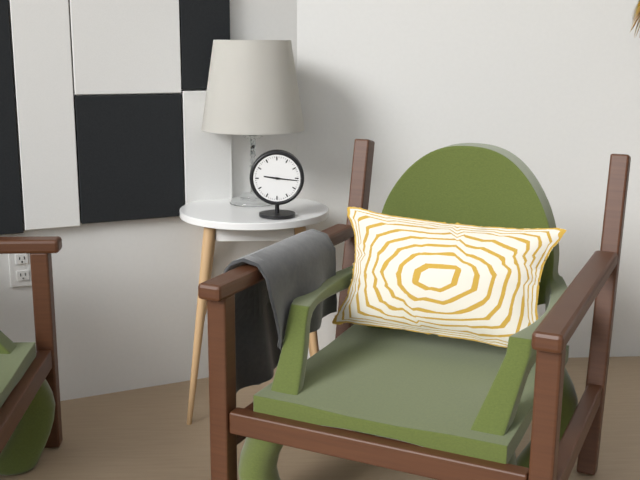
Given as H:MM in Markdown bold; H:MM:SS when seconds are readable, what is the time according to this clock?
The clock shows **9:16**
